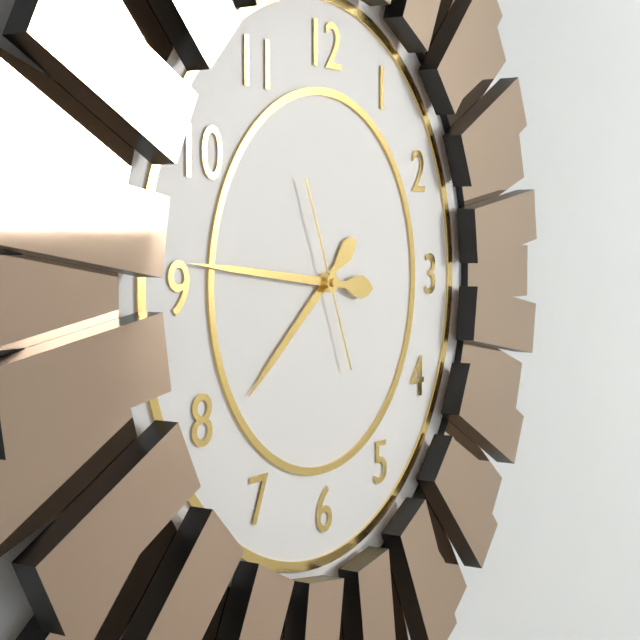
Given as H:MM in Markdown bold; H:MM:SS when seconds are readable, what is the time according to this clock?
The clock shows **7:46:56**
